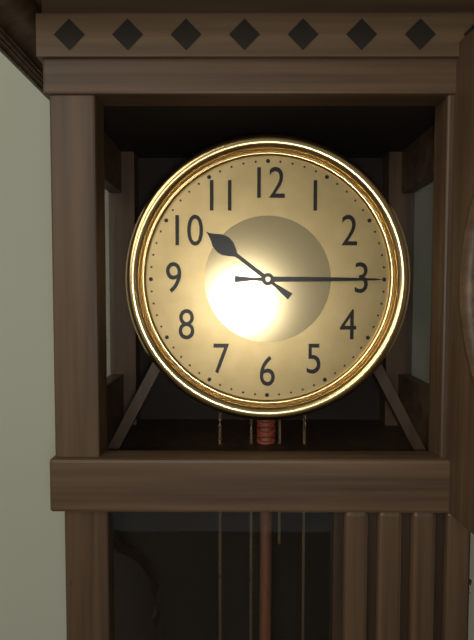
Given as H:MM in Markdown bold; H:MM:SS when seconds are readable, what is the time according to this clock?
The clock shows **10:15**
